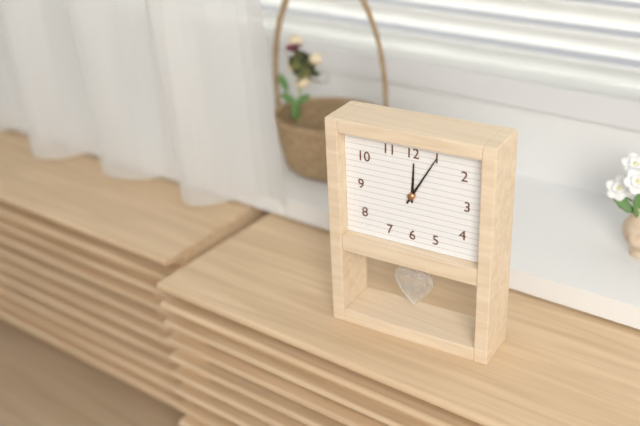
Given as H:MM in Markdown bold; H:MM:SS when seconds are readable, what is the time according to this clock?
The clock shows **12:05**
